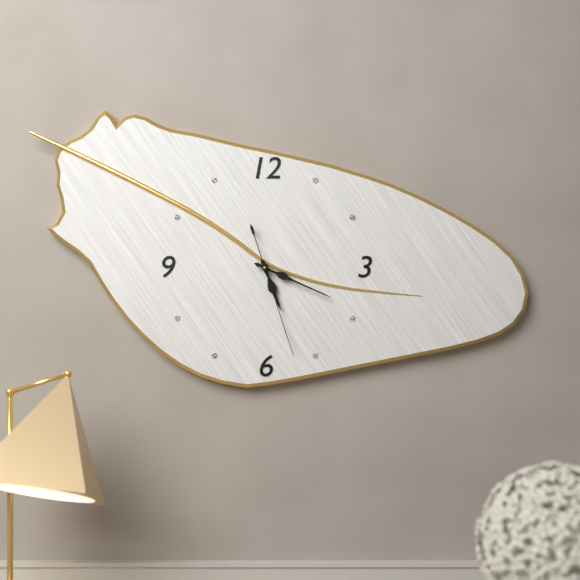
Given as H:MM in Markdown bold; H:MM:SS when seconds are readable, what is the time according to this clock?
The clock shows **5:19:27**
